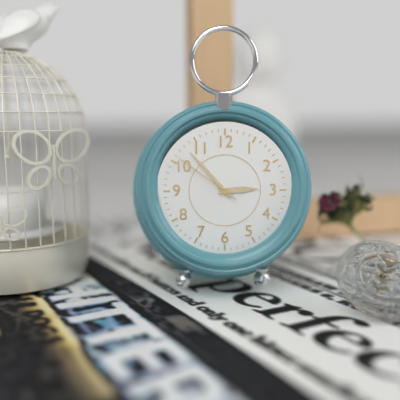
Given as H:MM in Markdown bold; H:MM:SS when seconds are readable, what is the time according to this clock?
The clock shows **2:53:51**
